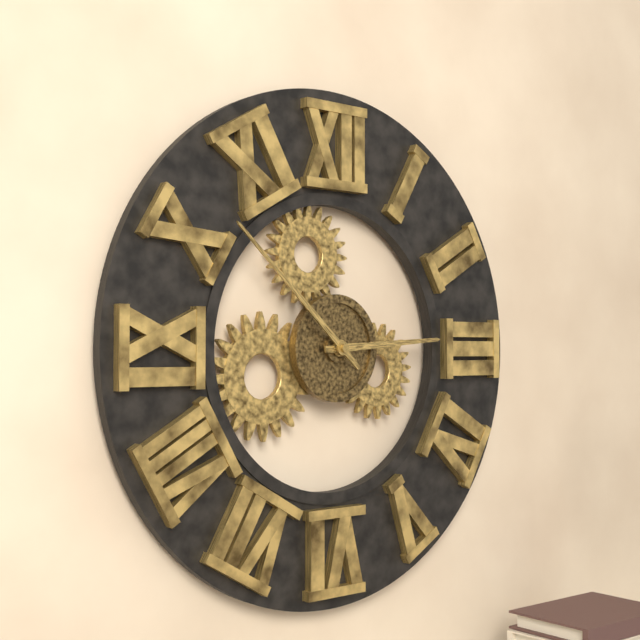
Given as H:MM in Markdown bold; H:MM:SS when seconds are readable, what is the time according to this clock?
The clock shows **2:52**
